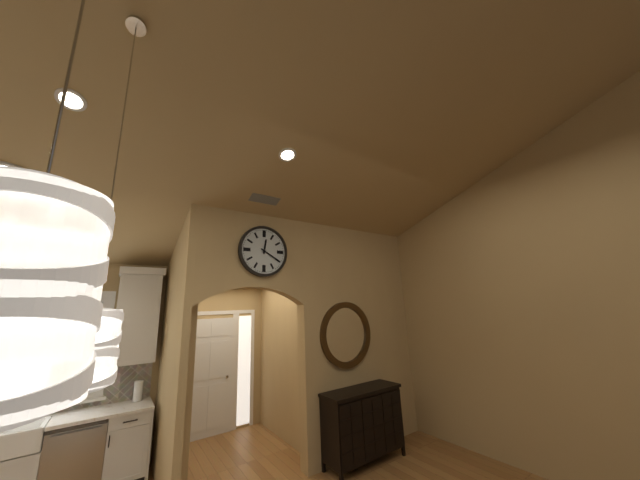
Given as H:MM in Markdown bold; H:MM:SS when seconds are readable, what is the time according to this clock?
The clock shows **12:20**
